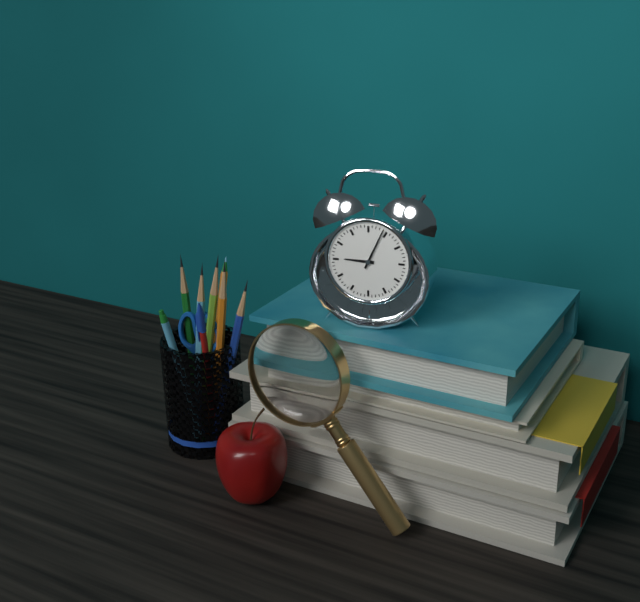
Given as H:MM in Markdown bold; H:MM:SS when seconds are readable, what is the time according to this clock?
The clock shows **9:04**
